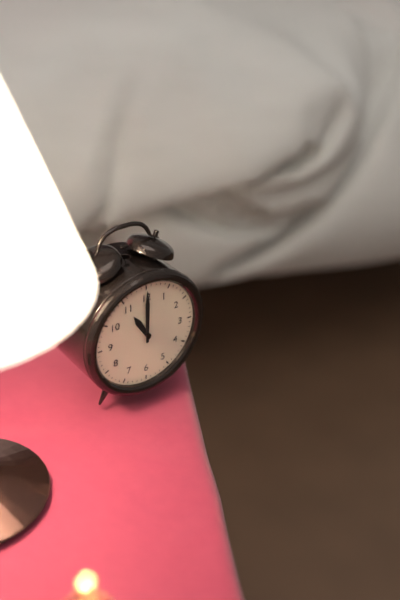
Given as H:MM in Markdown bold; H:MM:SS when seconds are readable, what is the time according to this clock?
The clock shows **11:00**
